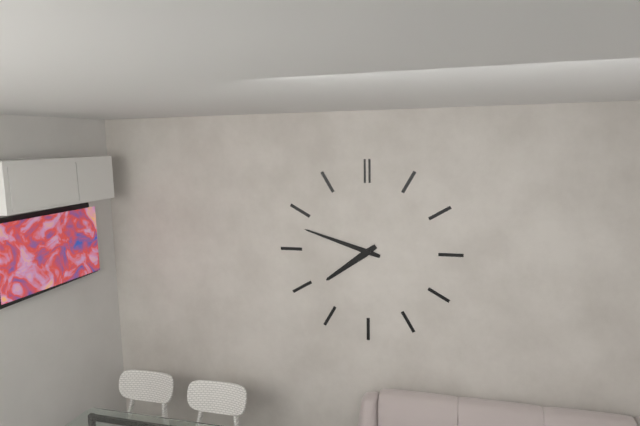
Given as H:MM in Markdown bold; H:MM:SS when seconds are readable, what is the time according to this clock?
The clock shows **7:48**
